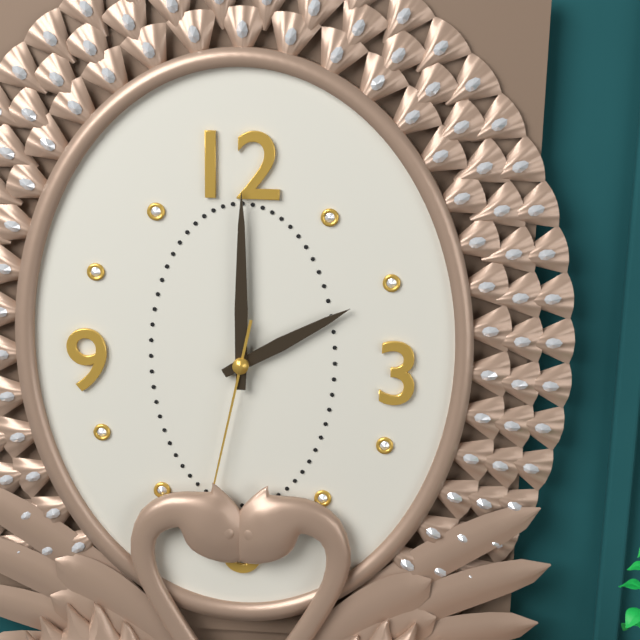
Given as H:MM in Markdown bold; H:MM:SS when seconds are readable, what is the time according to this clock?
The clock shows **2:00**
